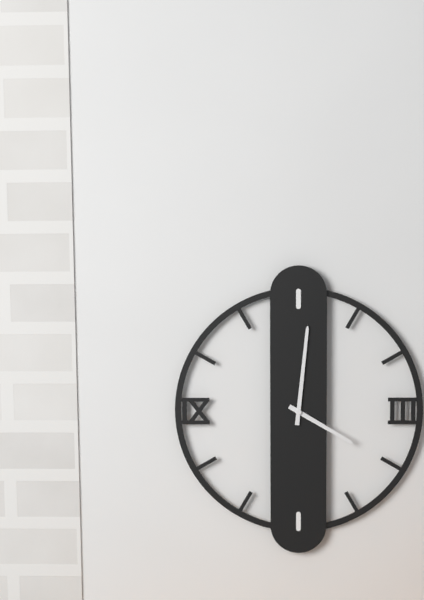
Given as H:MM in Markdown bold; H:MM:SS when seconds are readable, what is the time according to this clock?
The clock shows **4:01**
